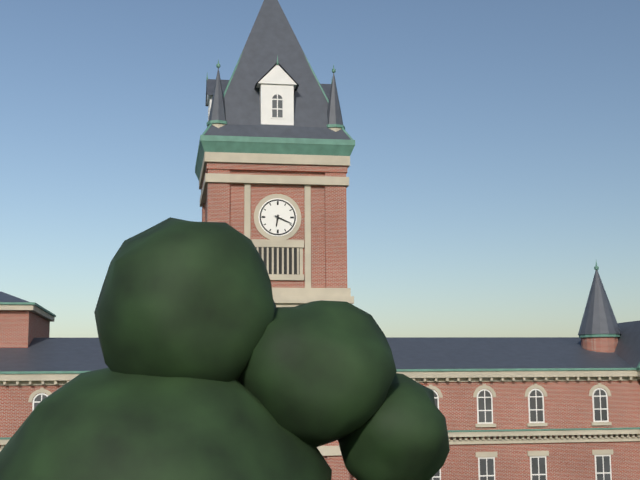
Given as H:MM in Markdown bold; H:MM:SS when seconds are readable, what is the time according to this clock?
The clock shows **6:19**
